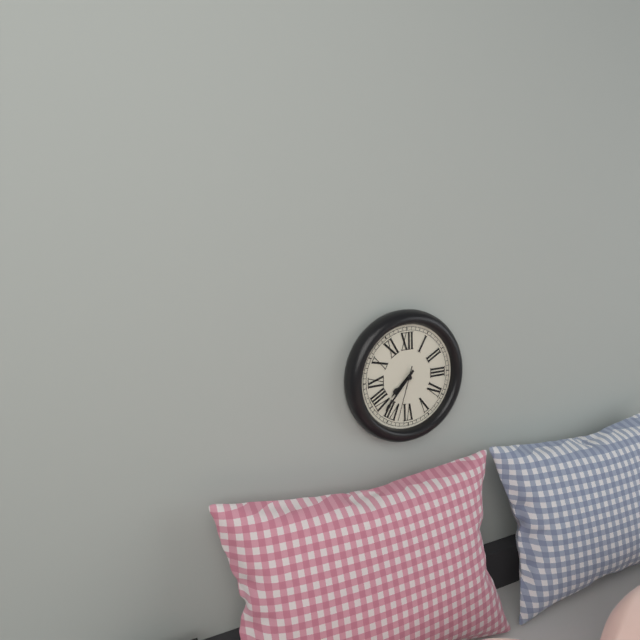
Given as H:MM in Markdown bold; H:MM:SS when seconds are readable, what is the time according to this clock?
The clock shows **7:37:33**
